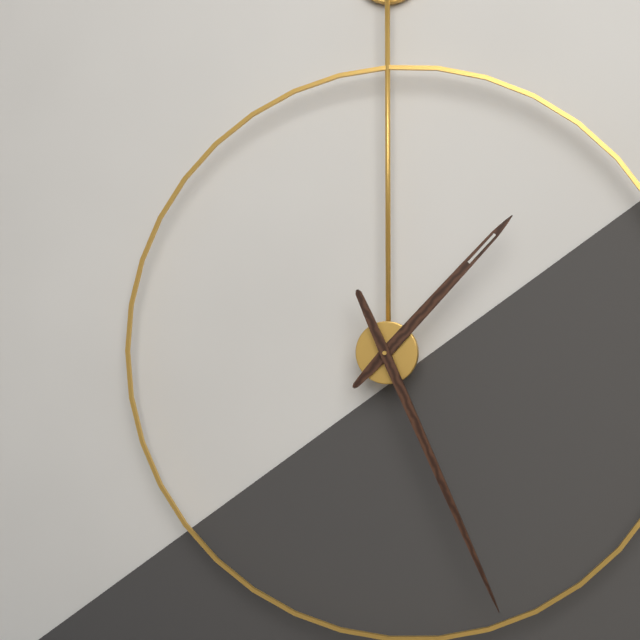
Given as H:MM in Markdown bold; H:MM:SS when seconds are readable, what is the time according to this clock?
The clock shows **1:26**
